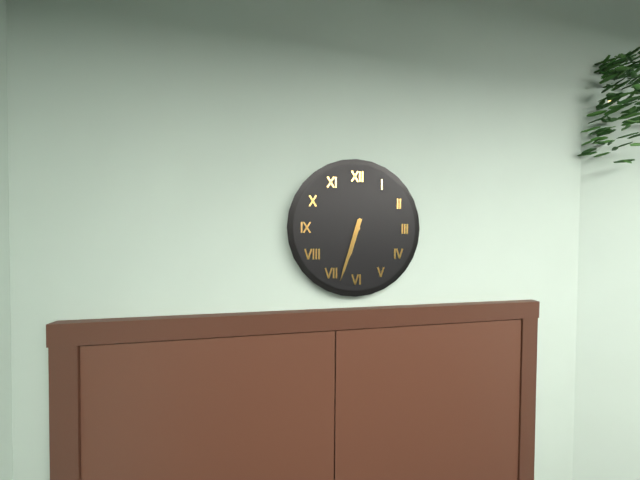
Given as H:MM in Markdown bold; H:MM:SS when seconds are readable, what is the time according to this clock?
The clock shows **6:33**
